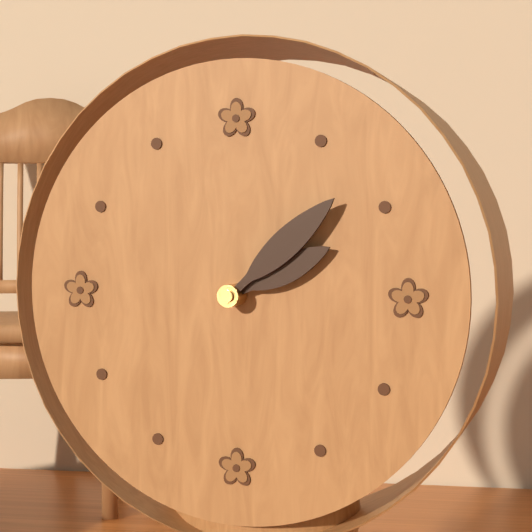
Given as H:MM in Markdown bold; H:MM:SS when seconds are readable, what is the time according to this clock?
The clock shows **2:08**
